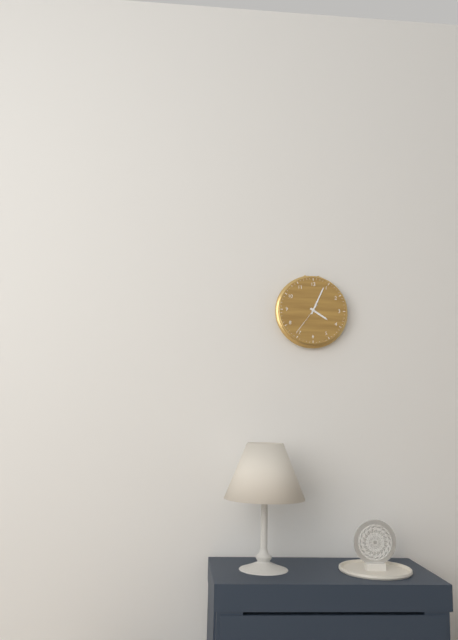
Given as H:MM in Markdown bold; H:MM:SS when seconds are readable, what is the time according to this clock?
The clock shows **4:04**
